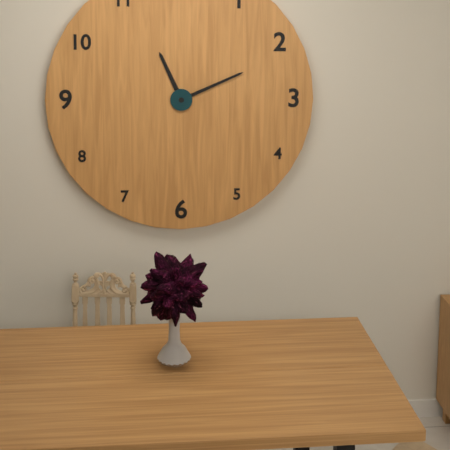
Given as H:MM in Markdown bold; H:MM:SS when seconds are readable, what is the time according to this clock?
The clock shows **11:11**
